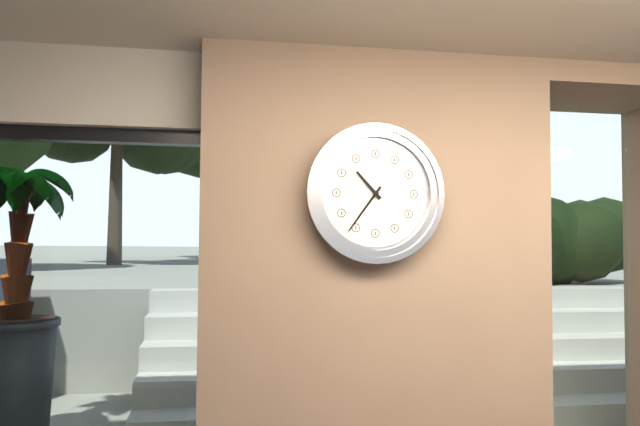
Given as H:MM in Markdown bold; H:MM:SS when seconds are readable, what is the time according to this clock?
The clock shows **10:36**
